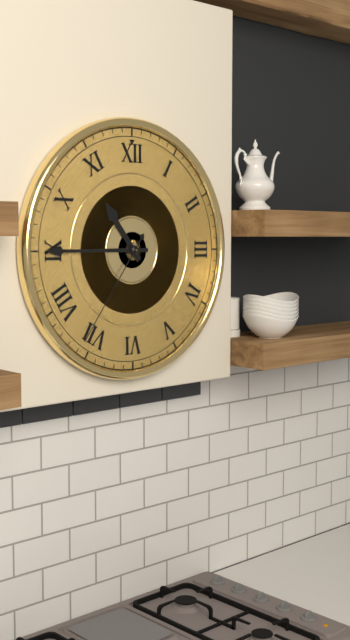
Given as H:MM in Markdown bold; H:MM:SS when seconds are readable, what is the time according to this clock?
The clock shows **10:45:36**
